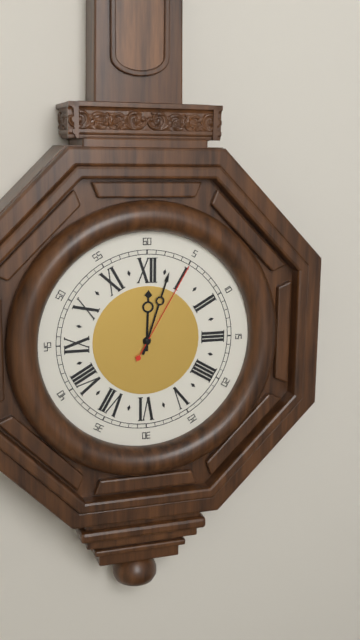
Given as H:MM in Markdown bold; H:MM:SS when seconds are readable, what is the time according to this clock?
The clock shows **12:03:05**
